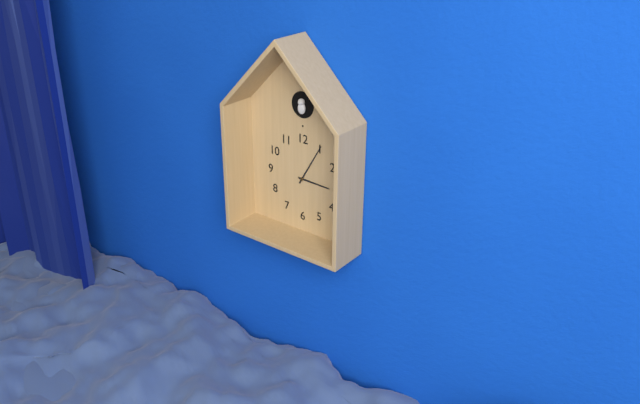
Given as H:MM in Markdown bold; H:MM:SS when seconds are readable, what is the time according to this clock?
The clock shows **3:05**
